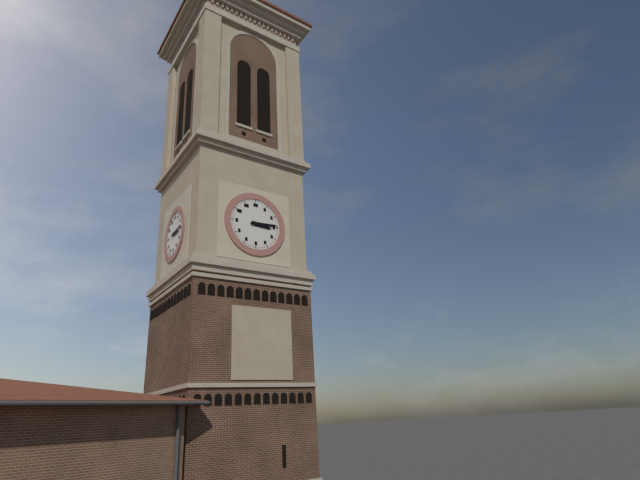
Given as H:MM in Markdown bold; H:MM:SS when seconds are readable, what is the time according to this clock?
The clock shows **3:14**
